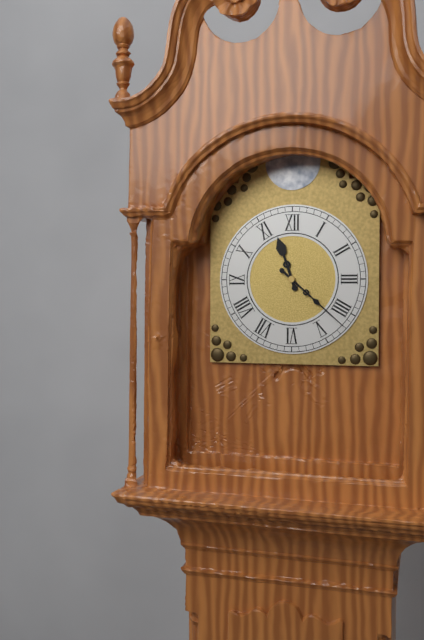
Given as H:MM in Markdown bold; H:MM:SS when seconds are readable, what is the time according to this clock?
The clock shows **11:22**
